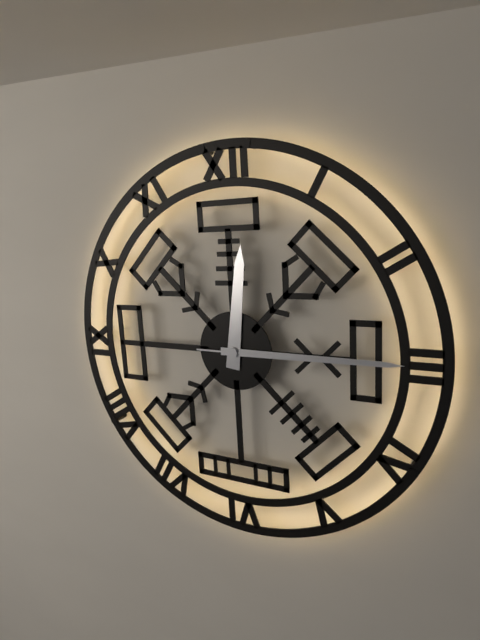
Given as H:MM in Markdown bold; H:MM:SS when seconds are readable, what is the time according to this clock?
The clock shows **12:15:15**
